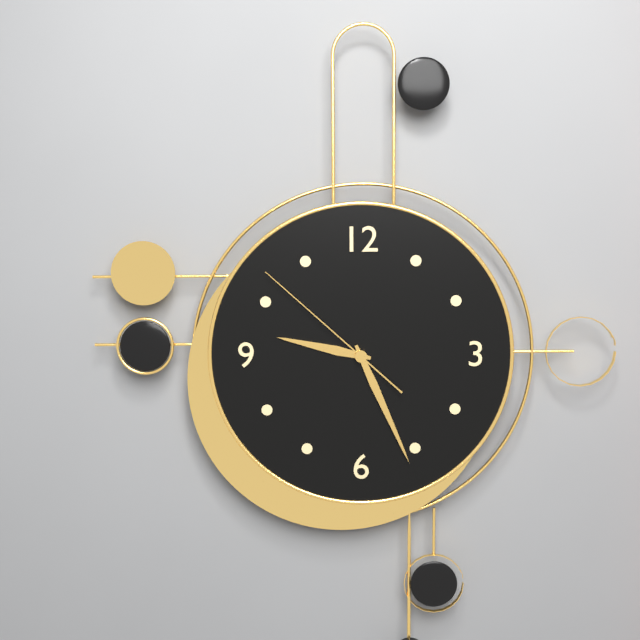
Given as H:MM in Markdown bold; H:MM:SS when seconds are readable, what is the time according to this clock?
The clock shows **9:26:52**
